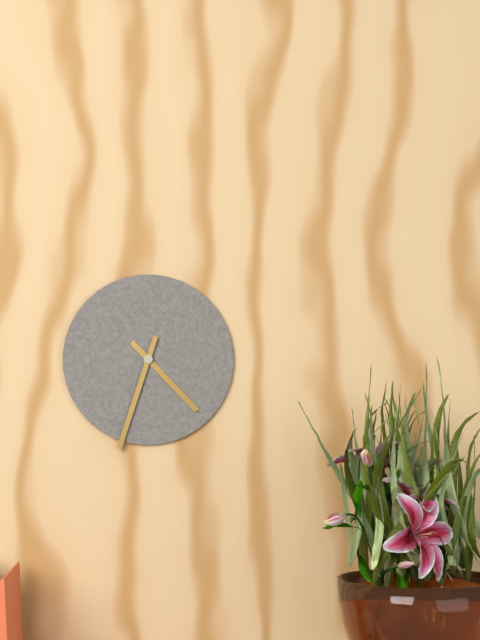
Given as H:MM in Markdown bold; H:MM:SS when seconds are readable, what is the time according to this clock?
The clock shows **4:33**
